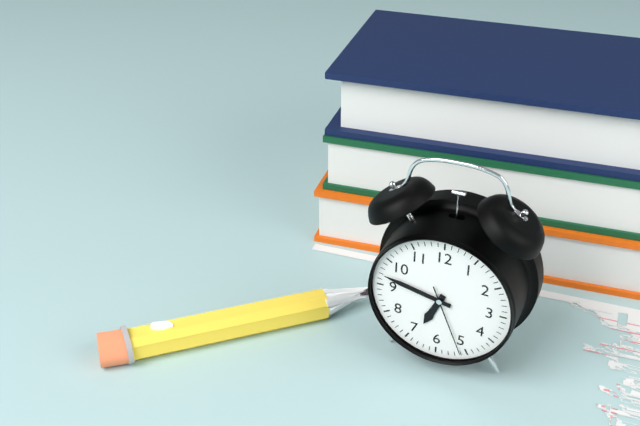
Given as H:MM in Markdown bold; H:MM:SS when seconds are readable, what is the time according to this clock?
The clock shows **6:47:26**
